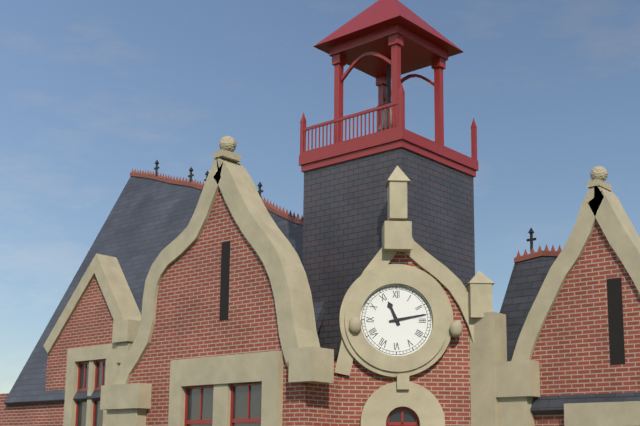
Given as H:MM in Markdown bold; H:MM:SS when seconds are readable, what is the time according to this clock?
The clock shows **11:13**
